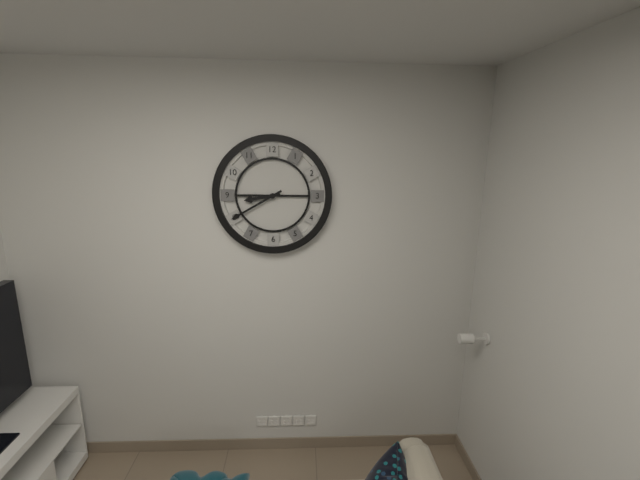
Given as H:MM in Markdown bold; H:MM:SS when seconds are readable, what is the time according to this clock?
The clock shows **8:40**
